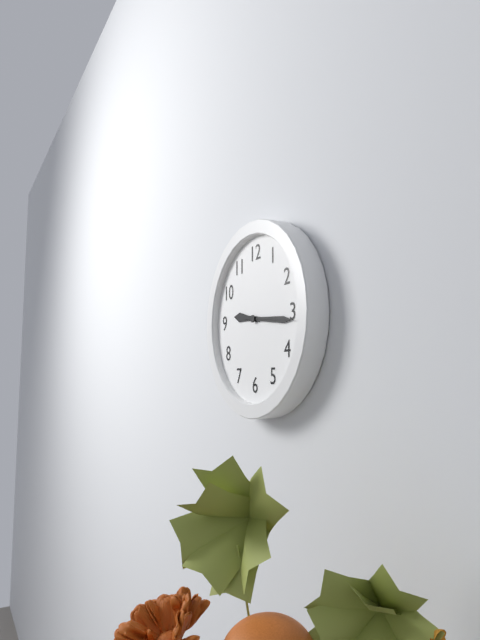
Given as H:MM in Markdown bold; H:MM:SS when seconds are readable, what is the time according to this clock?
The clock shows **9:16**
